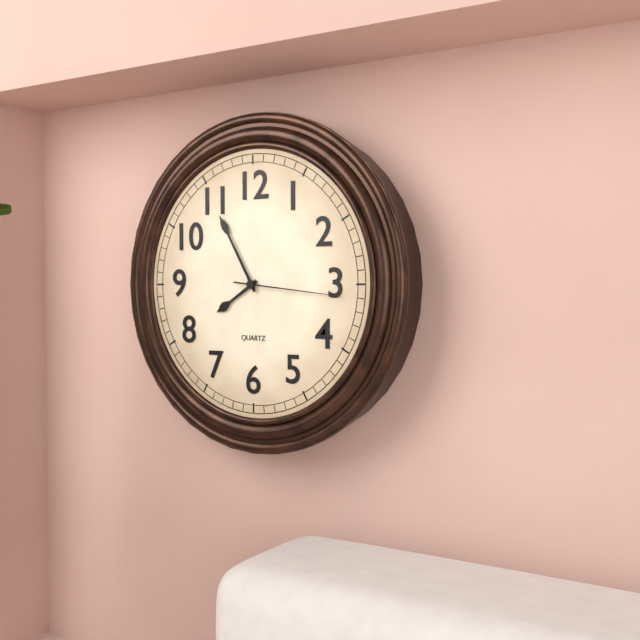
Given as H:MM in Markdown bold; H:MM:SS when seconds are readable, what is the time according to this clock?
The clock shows **7:55:16**
